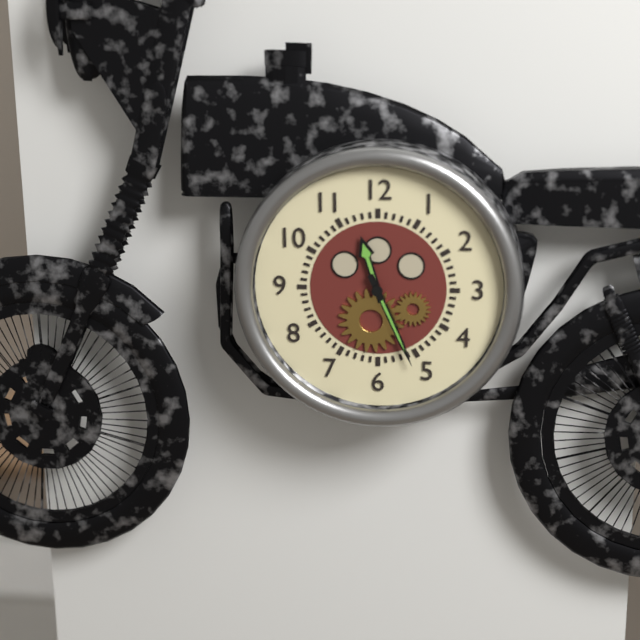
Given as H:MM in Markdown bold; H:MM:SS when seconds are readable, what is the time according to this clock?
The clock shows **11:26**
